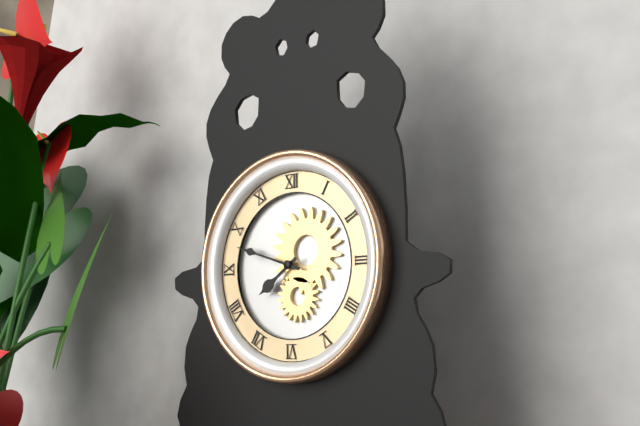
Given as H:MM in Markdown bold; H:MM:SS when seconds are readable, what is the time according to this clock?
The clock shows **7:48**
